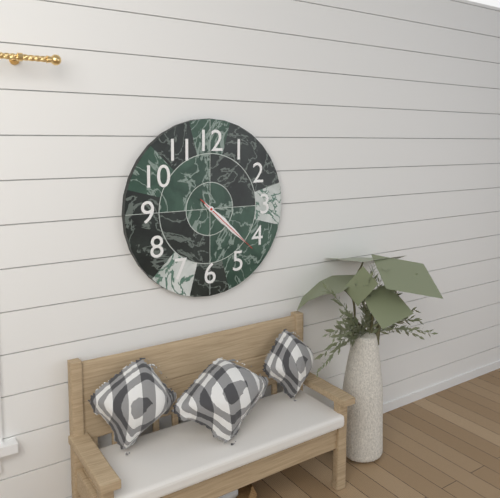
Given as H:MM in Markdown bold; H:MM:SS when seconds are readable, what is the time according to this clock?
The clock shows **4:22:22**
